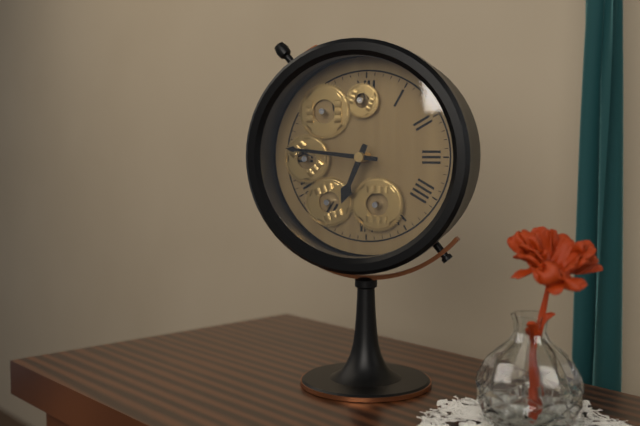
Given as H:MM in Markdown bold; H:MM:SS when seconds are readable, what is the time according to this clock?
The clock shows **6:46**
